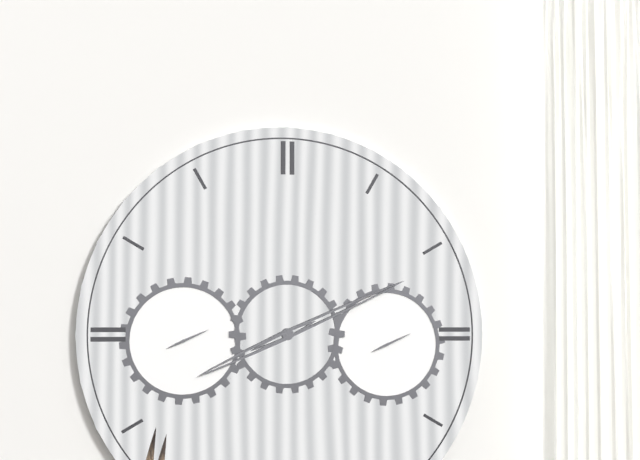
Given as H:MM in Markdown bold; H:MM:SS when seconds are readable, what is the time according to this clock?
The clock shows **8:11**
